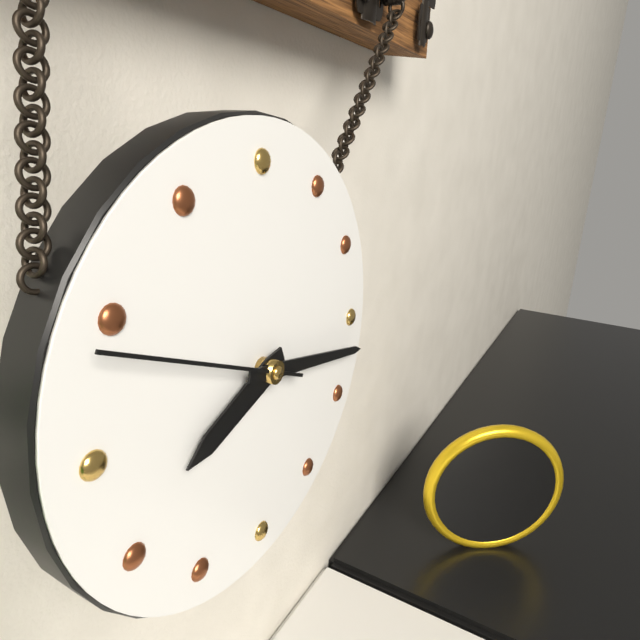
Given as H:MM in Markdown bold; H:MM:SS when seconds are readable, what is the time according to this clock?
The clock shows **8:17:49**
